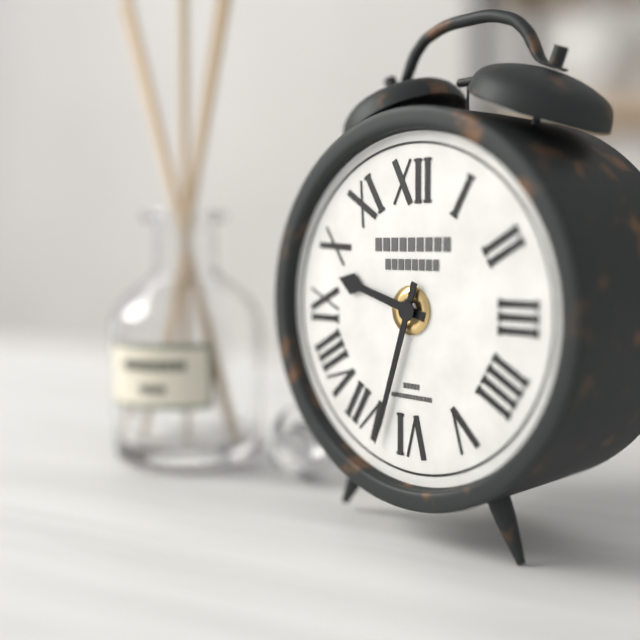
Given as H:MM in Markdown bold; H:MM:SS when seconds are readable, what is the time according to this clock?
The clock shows **9:33**
